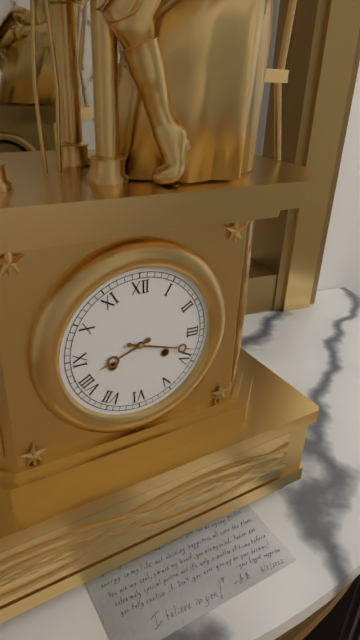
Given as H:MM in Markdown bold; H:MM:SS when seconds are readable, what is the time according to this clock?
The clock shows **8:18**
